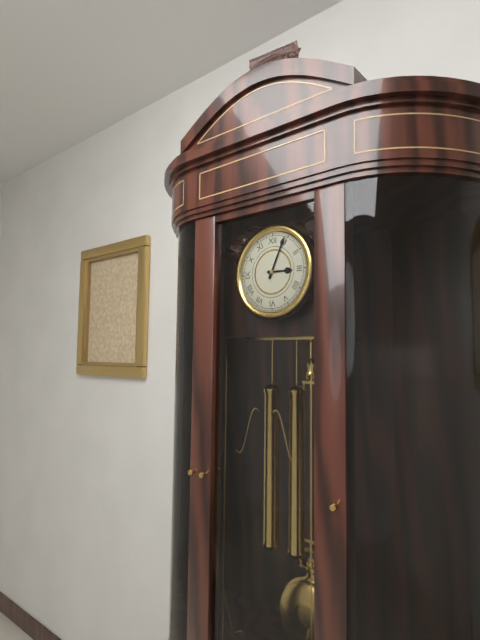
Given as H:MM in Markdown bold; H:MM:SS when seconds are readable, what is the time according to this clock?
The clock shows **3:04**
